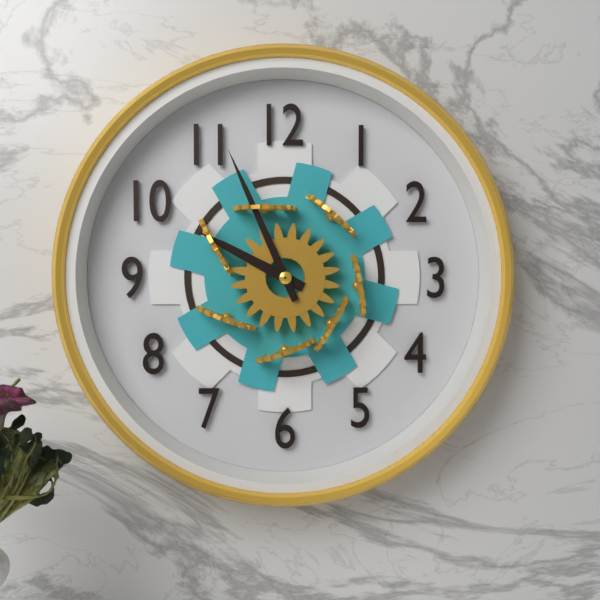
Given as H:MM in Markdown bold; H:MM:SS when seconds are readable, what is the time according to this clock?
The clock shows **9:56**
